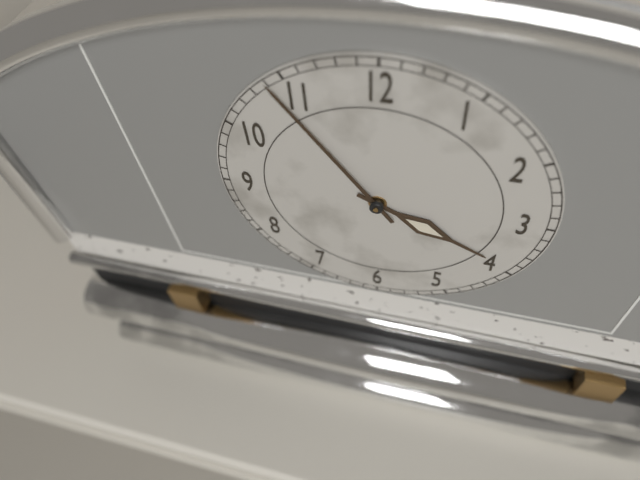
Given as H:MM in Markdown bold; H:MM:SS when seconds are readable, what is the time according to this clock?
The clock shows **3:54**
